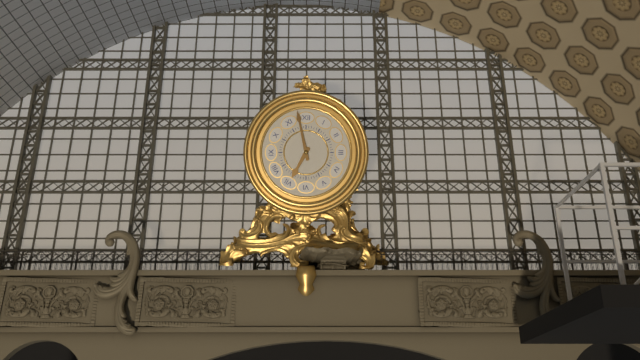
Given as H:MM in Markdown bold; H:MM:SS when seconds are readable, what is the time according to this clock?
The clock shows **6:58**
